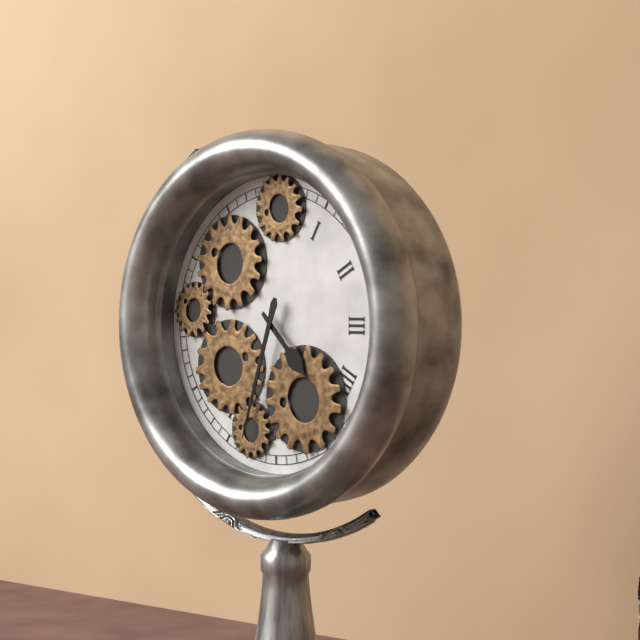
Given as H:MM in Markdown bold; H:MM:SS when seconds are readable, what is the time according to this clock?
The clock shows **4:33**
